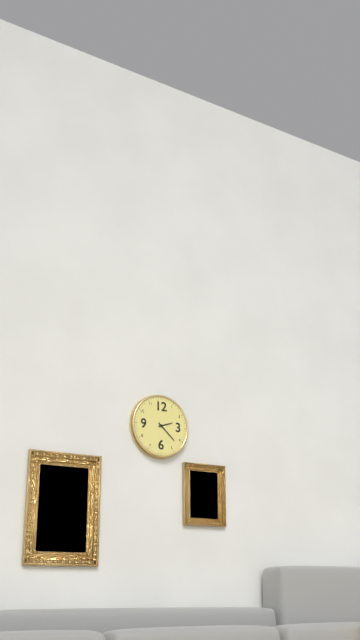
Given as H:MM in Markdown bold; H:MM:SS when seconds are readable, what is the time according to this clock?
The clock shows **2:22**
